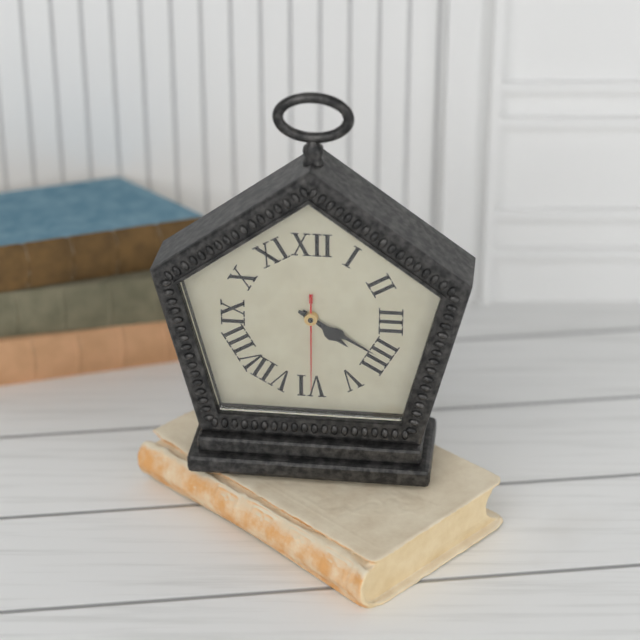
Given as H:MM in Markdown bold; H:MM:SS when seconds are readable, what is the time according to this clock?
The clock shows **4:20:30**
